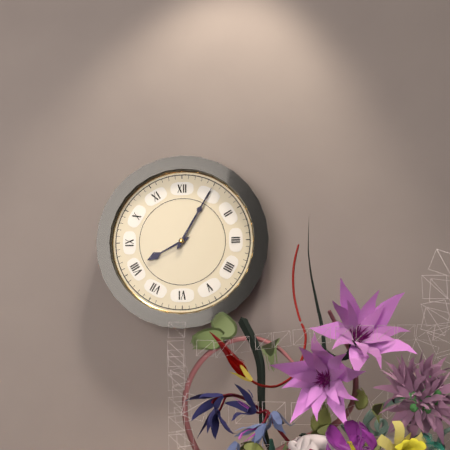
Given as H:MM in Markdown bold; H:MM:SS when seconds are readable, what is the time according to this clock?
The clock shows **8:05**
